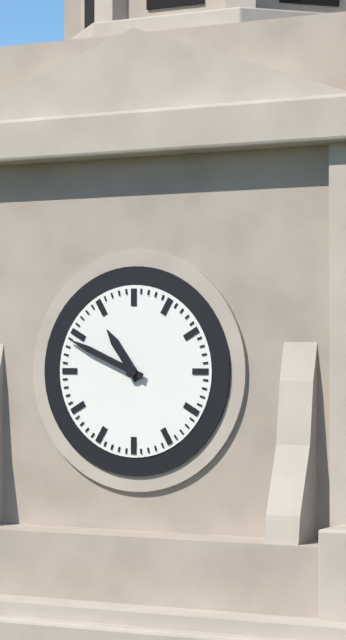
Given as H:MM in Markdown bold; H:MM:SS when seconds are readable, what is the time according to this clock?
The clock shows **10:49**
